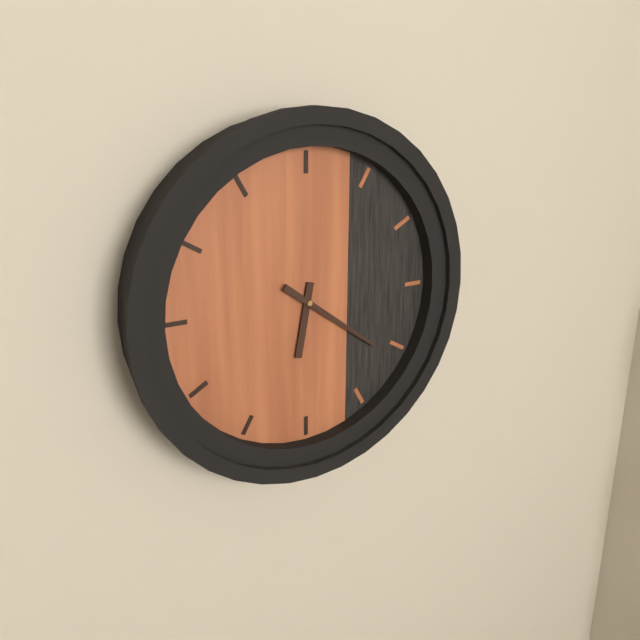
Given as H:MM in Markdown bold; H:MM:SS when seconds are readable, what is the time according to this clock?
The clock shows **6:21**
